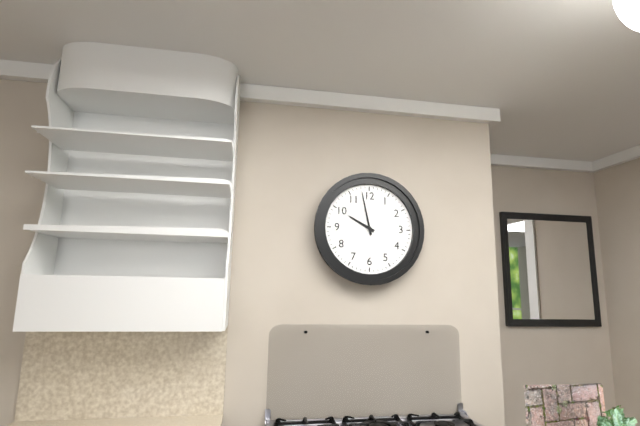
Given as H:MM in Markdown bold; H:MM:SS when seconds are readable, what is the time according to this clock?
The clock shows **9:58**
